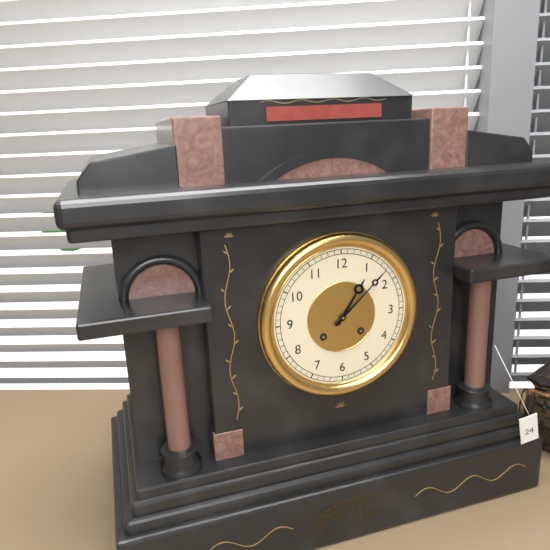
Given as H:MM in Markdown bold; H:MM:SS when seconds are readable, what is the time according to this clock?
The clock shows **1:08**
